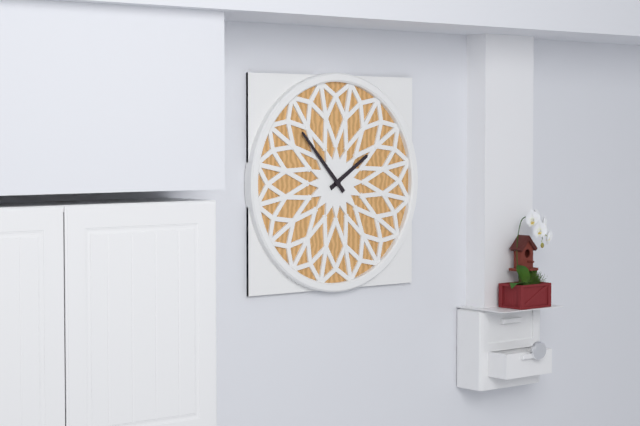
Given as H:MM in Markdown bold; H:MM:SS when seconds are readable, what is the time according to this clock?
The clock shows **1:53**
